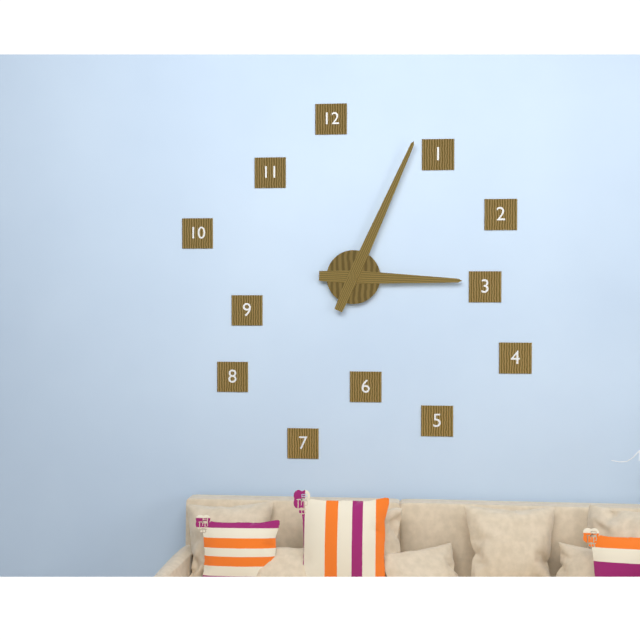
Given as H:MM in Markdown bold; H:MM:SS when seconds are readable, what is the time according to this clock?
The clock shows **3:04**
